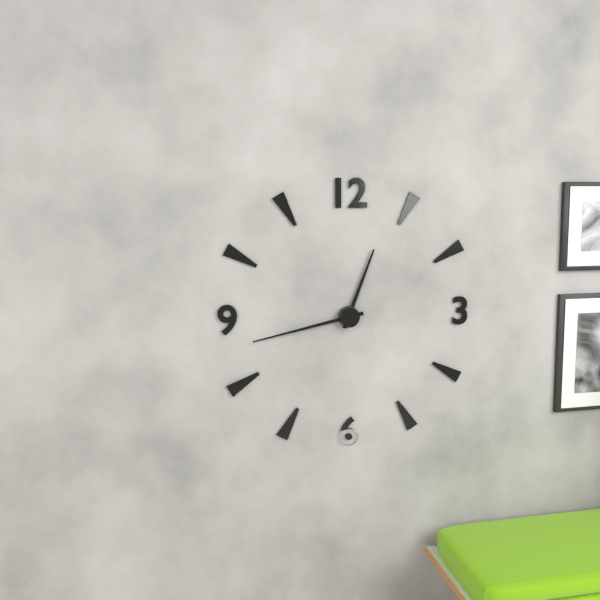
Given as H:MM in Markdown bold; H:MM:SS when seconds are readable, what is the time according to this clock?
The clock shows **12:43**
